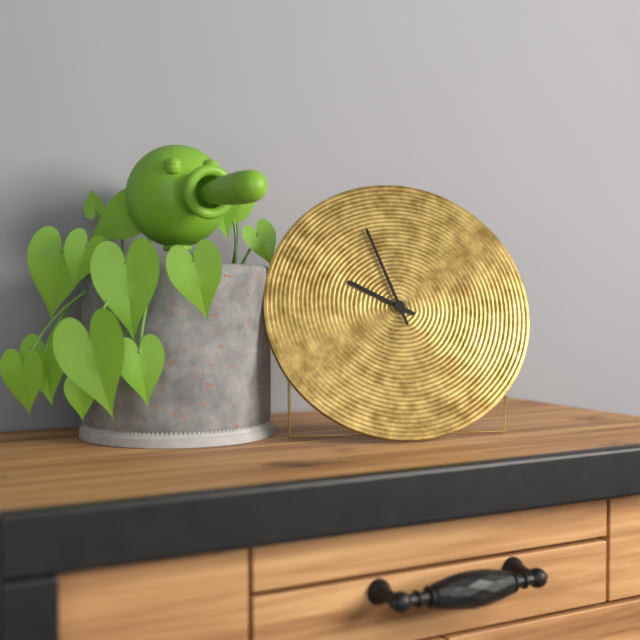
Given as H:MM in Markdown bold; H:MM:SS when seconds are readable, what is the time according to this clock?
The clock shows **9:57**
